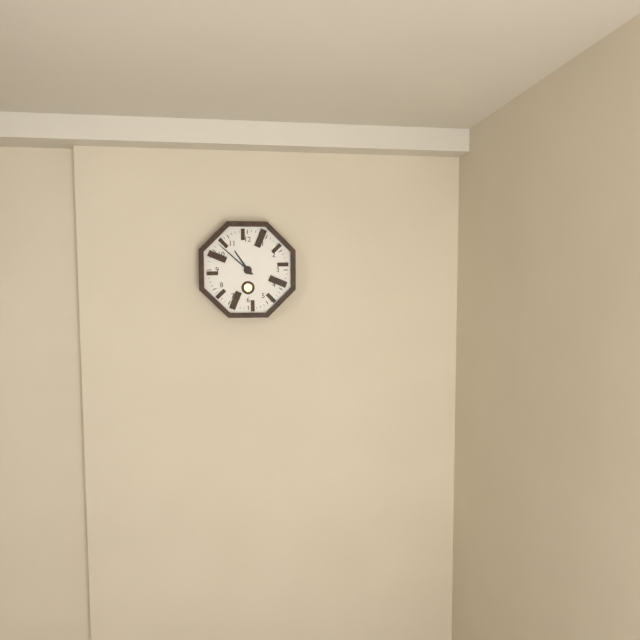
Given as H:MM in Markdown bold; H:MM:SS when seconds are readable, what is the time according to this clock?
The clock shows **10:52**
